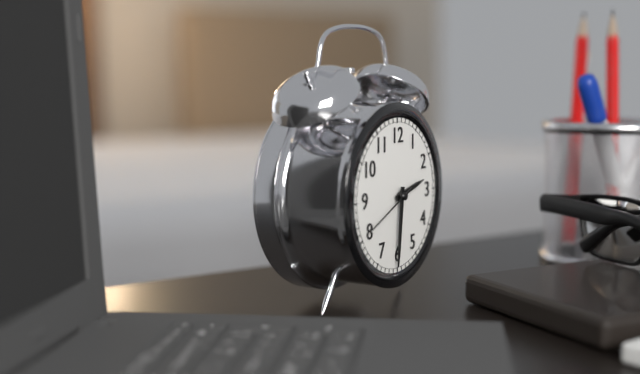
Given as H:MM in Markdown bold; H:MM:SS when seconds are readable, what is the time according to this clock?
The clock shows **2:31:41**
